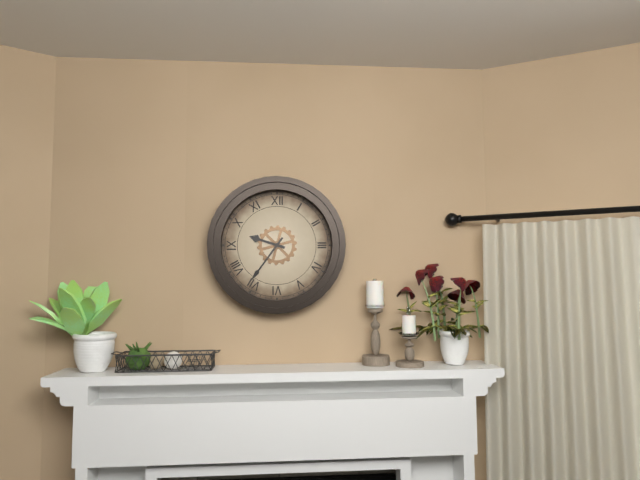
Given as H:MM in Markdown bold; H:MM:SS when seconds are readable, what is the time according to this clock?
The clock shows **9:36**
